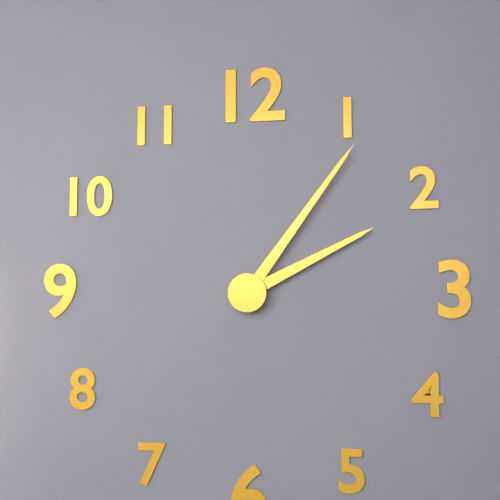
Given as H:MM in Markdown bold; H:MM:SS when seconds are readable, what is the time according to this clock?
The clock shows **2:06**
